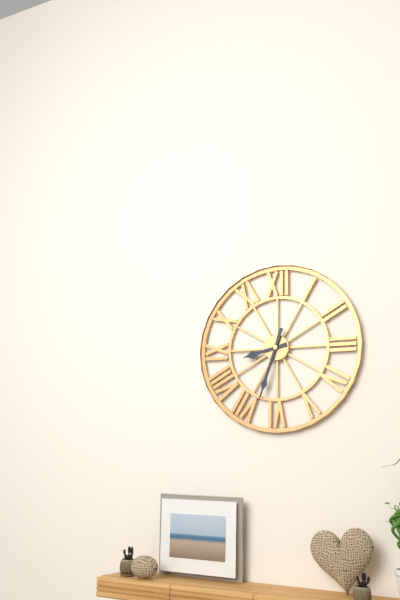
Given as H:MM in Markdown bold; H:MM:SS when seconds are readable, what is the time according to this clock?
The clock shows **8:33**
